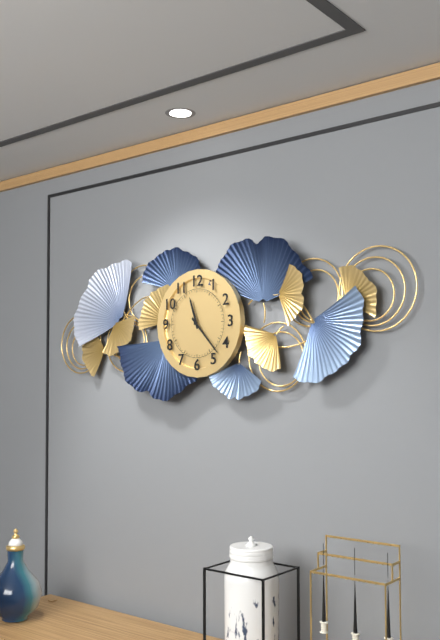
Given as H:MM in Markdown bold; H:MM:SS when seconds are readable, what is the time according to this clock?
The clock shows **11:23**
